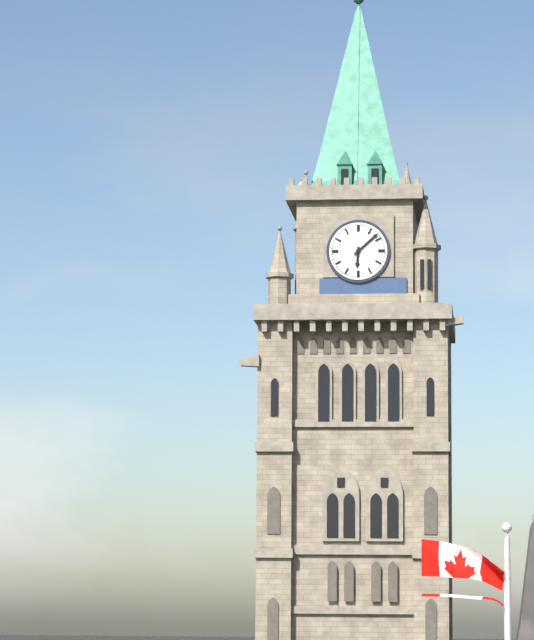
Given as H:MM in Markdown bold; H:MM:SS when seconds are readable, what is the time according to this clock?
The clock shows **6:08**
